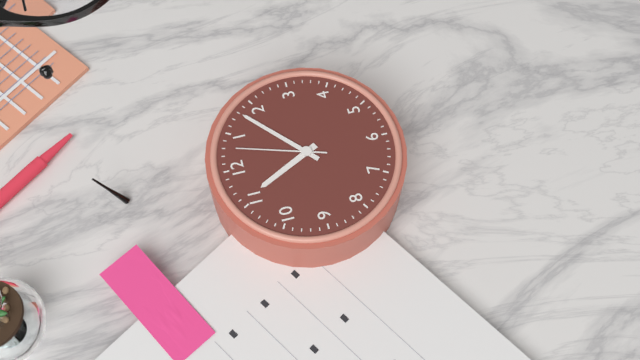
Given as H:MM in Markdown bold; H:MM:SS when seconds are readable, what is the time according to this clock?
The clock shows **11:08:03**
